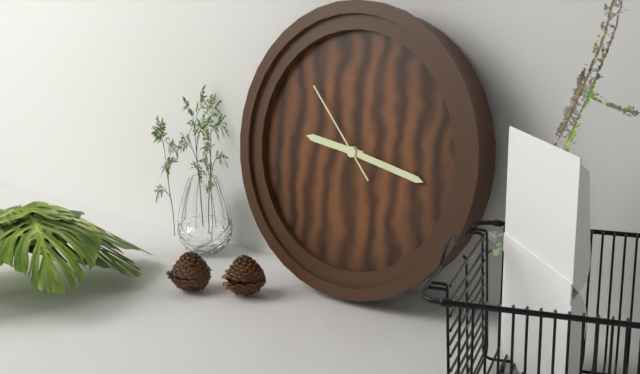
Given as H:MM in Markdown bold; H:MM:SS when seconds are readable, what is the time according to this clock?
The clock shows **9:17:53**
